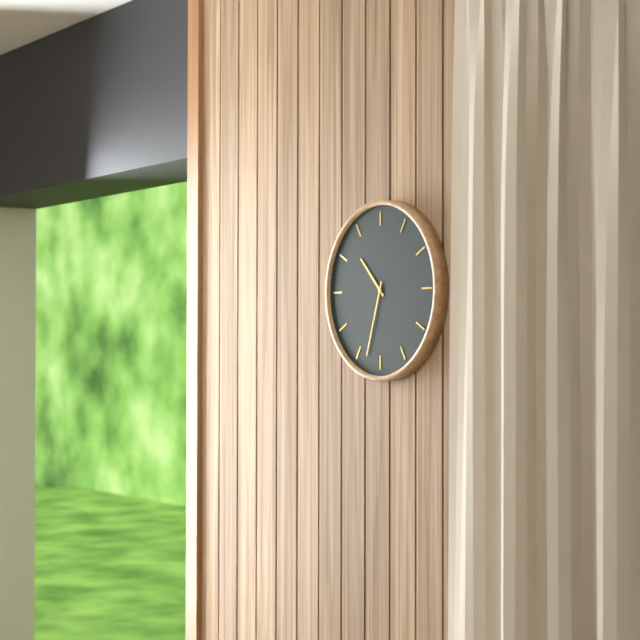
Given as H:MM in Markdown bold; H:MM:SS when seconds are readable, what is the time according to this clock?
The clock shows **10:33**
